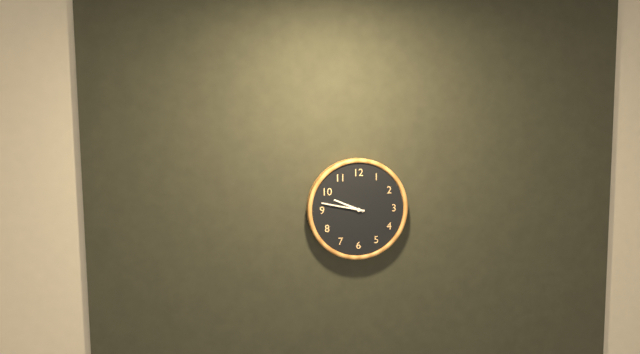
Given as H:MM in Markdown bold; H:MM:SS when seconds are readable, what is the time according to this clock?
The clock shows **9:47**
